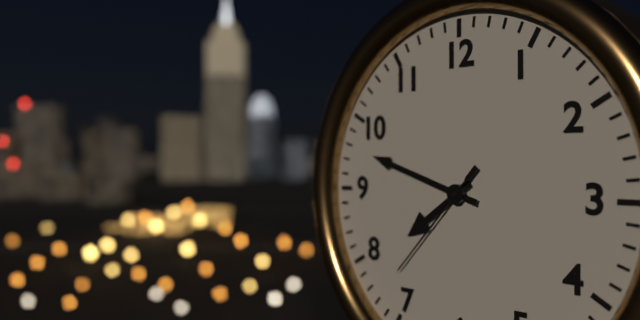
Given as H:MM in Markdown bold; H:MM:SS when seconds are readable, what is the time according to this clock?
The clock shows **7:48:37**
